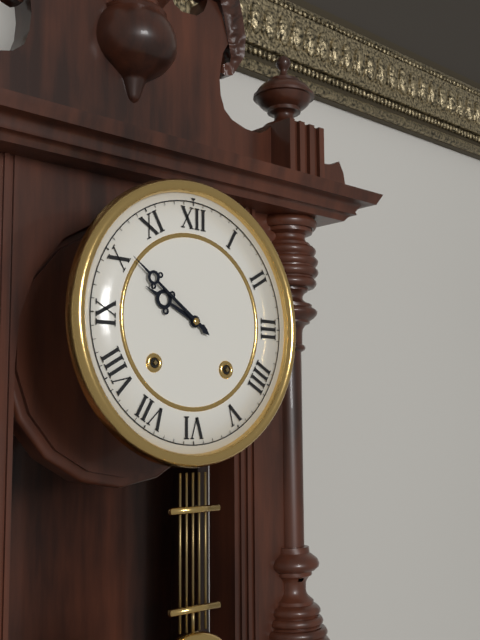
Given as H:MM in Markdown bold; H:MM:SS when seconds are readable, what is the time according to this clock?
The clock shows **9:51**
